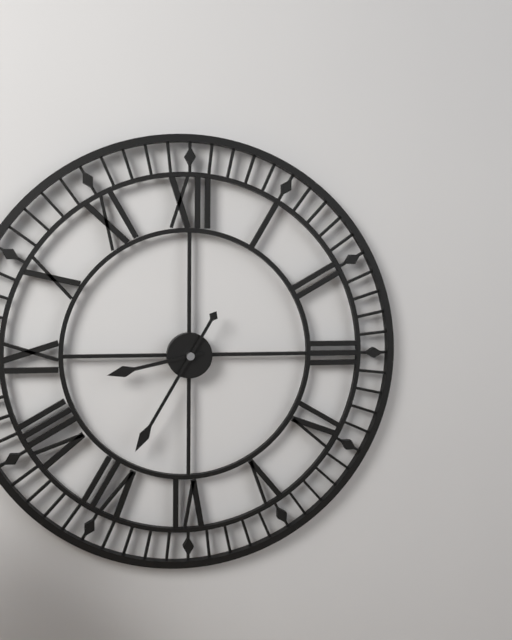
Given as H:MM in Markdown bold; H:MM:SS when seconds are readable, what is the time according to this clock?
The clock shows **8:35**
